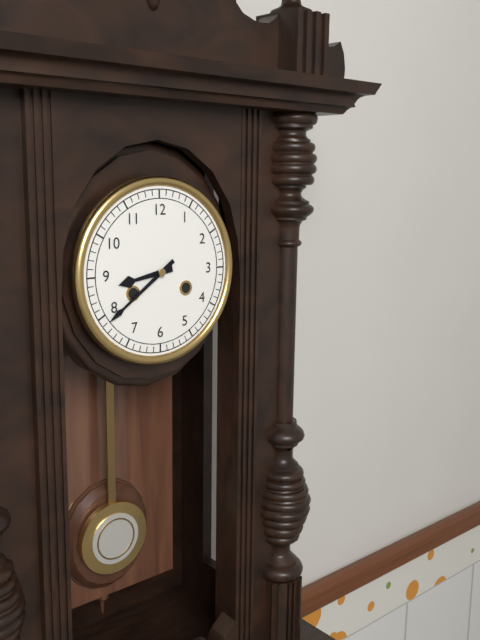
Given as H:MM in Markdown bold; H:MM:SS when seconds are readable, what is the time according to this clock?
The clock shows **8:39**
